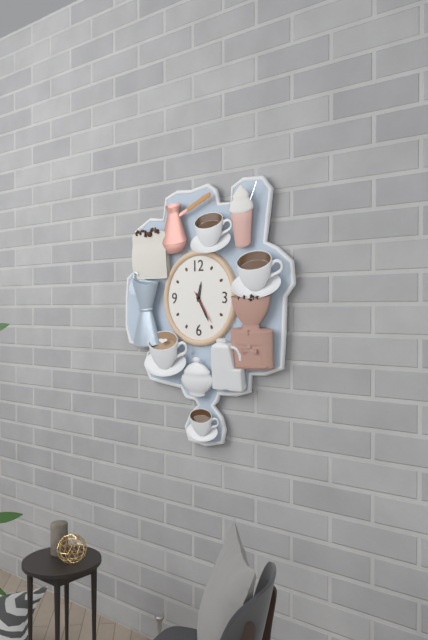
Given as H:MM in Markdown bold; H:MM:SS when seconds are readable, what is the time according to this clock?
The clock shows **12:25**
